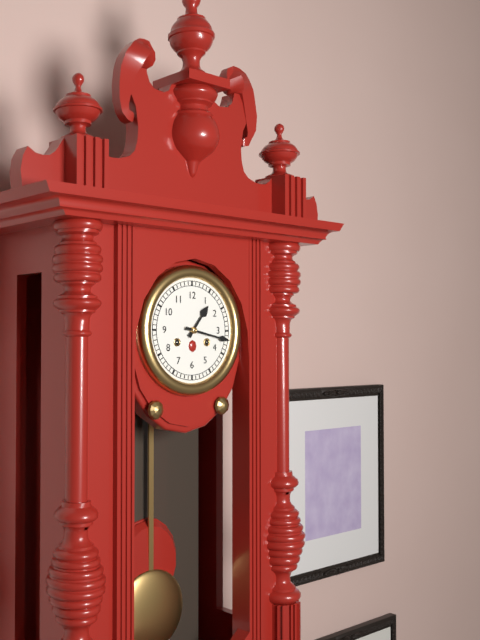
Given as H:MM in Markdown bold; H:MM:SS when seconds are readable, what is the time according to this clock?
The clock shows **1:17**
